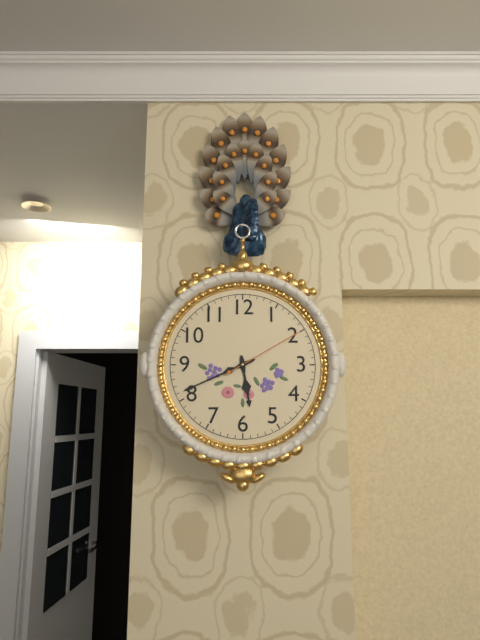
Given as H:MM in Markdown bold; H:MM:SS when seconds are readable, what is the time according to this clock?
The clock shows **5:41:10**
